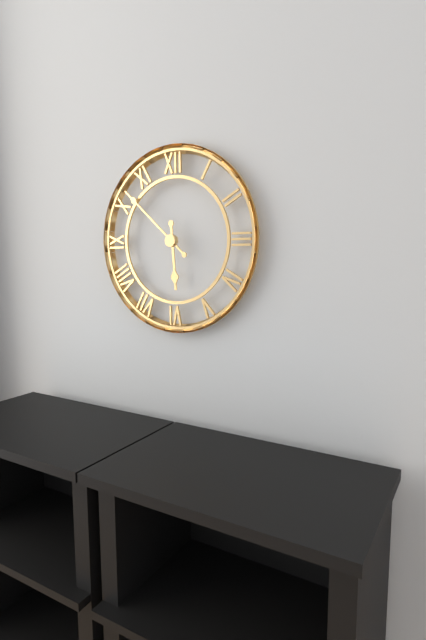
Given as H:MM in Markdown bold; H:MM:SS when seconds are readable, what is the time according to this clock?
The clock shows **5:52**
